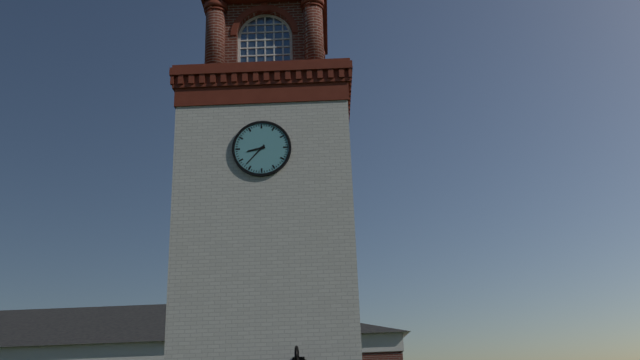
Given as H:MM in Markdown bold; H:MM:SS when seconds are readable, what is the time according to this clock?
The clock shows **8:37**
